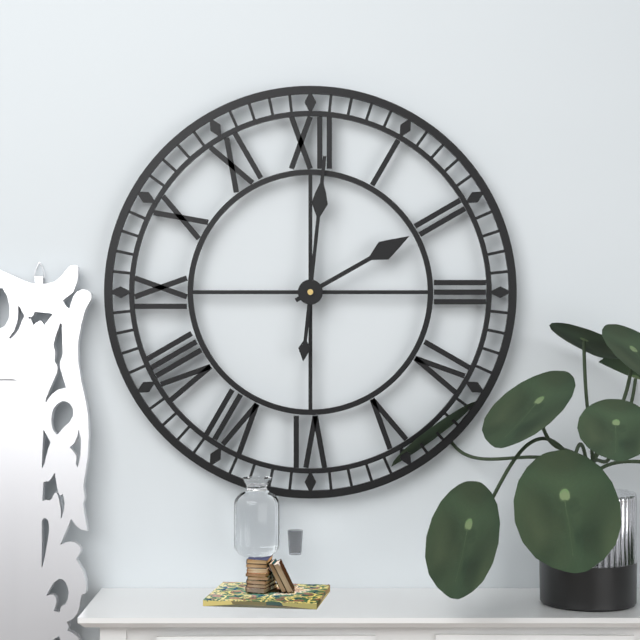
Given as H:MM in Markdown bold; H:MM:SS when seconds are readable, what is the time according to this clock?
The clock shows **2:01**
